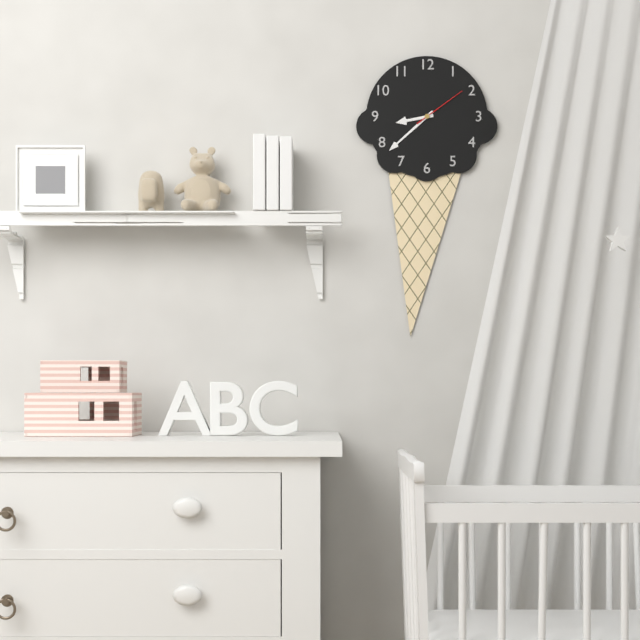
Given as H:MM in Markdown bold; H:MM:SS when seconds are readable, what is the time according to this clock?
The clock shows **8:38:09**
